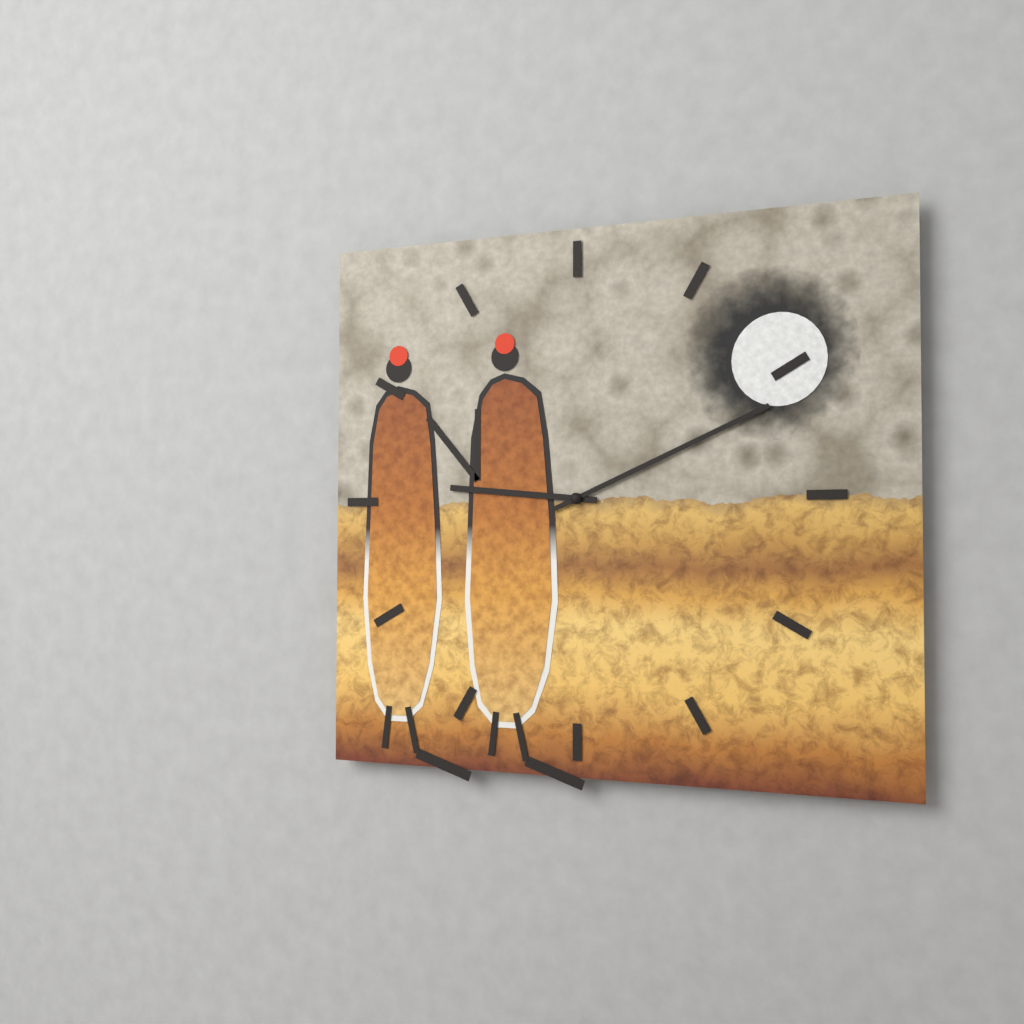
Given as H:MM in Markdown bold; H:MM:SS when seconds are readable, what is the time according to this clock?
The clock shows **9:11**
